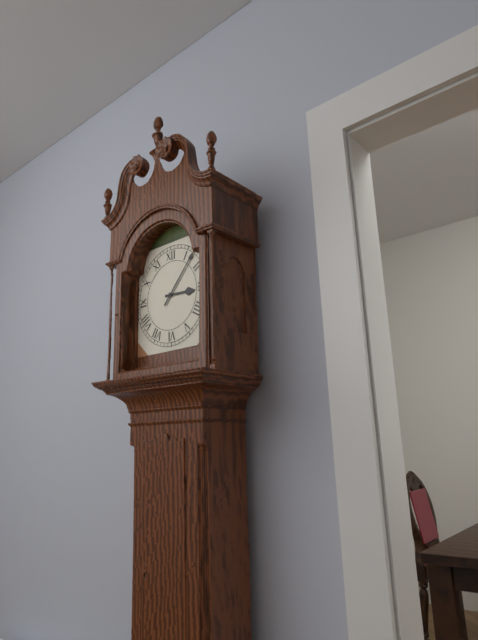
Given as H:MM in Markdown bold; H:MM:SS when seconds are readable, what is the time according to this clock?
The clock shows **3:07**
